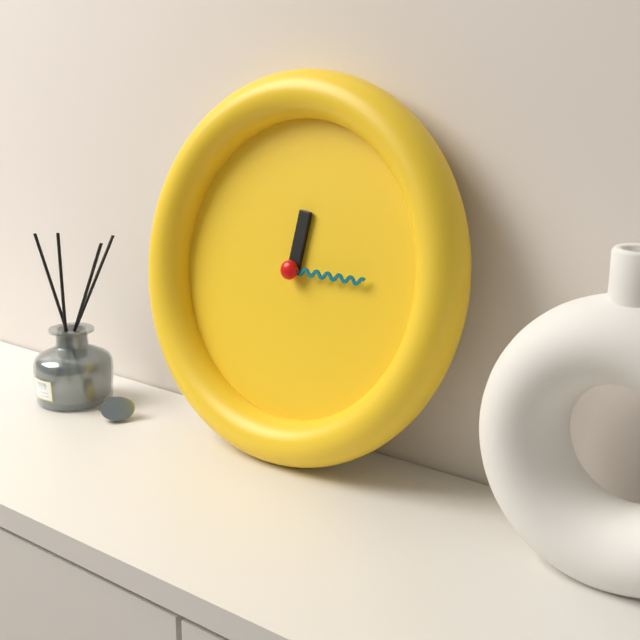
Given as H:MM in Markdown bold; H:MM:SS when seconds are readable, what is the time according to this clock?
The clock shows **12:15**
